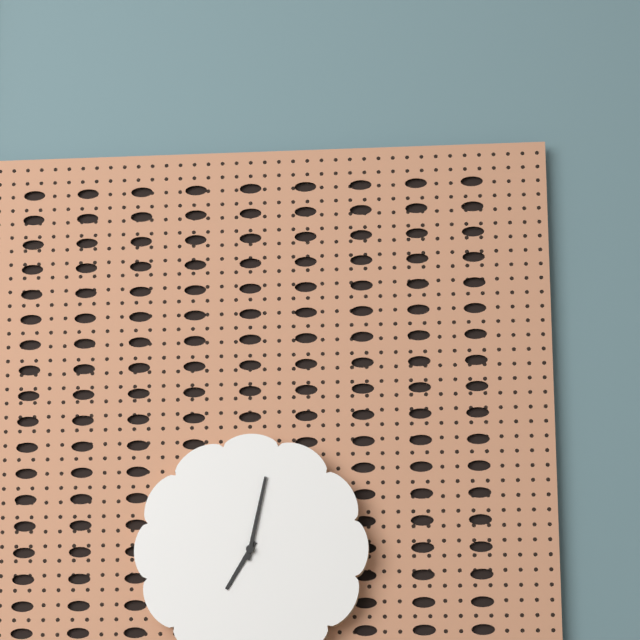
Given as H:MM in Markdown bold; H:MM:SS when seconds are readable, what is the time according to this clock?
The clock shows **7:02**
